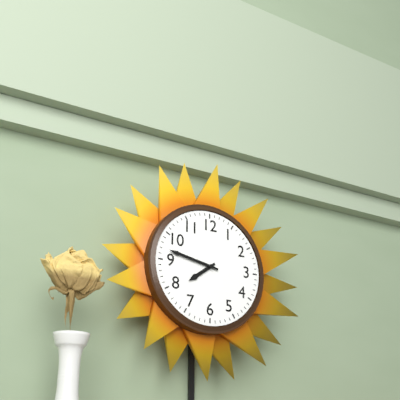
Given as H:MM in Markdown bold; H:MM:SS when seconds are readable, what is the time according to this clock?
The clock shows **7:47**
